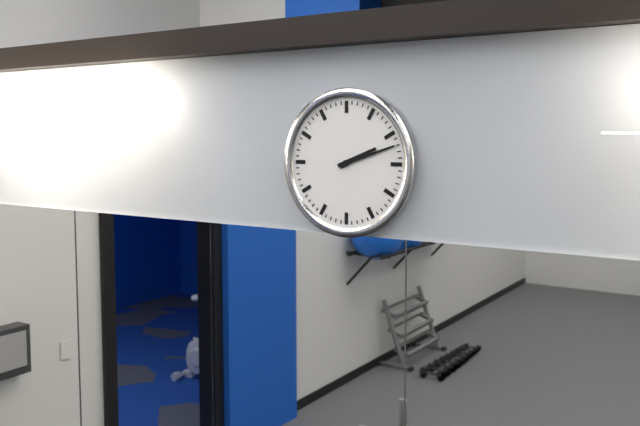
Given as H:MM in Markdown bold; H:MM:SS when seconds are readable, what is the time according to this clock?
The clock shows **2:12**
